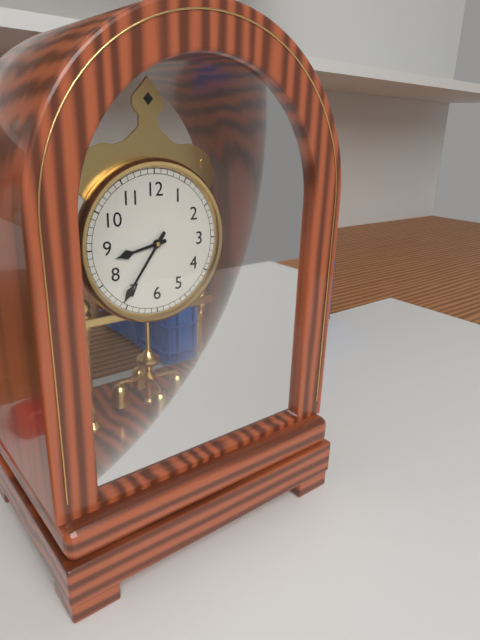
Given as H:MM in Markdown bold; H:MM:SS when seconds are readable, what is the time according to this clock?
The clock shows **8:36**
